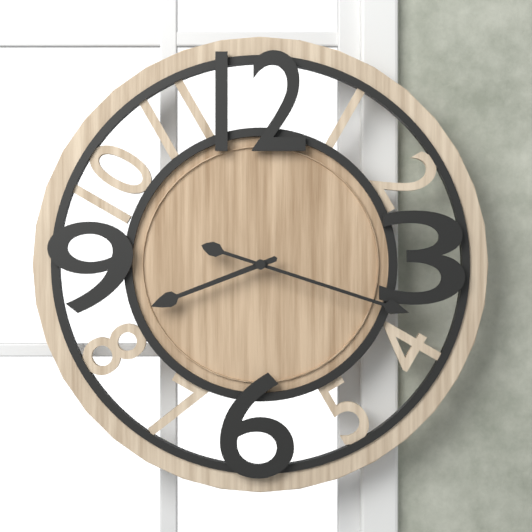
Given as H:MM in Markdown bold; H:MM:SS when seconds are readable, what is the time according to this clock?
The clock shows **8:18**
